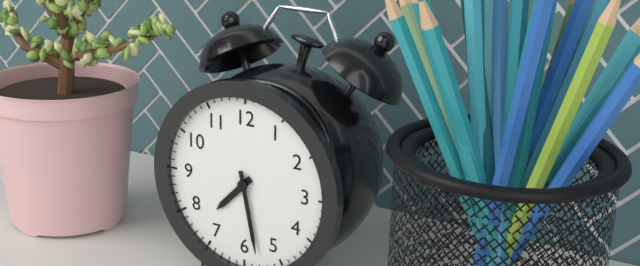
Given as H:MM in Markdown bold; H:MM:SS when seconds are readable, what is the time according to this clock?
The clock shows **7:28**
